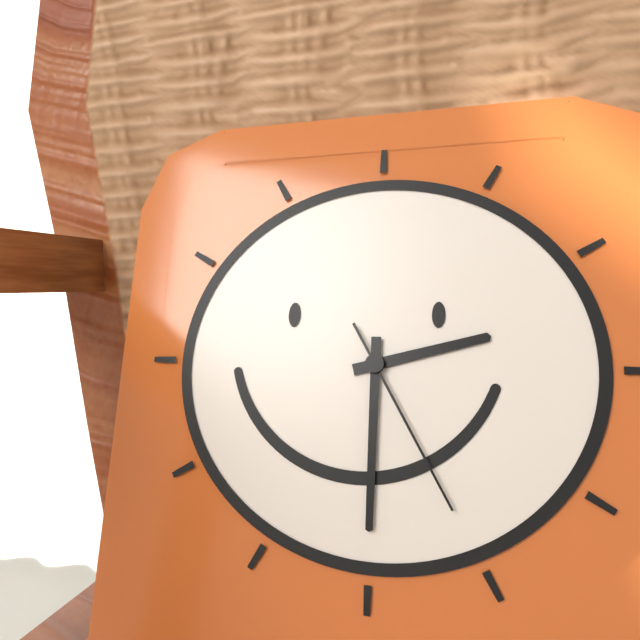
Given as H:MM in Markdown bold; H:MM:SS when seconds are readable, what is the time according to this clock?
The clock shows **2:30:25**
